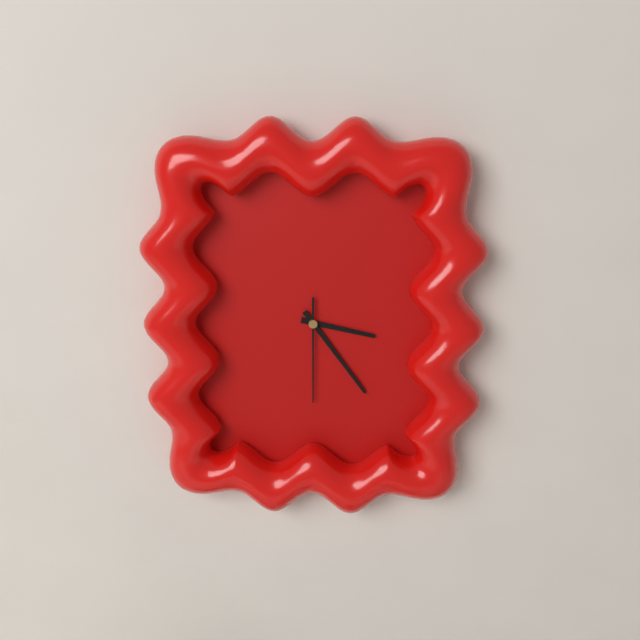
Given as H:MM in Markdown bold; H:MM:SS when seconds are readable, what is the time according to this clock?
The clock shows **3:24:30**
